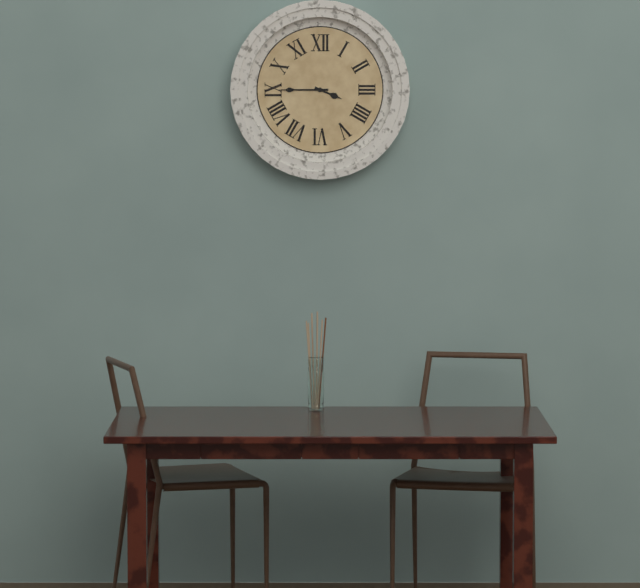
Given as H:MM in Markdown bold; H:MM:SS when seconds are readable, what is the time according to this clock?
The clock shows **3:45**
